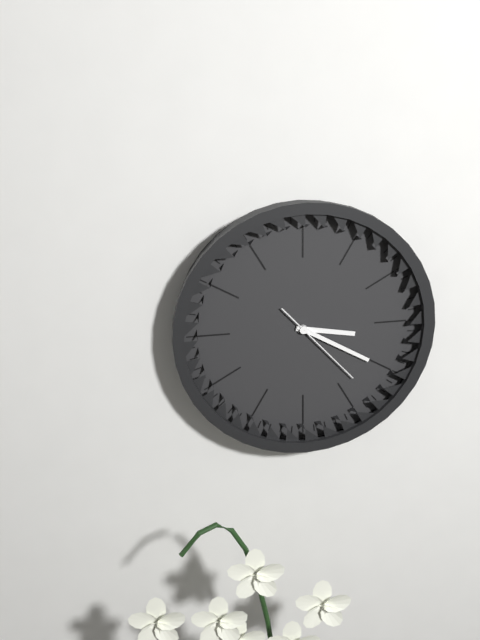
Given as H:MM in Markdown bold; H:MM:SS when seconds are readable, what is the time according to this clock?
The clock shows **3:20:23**
